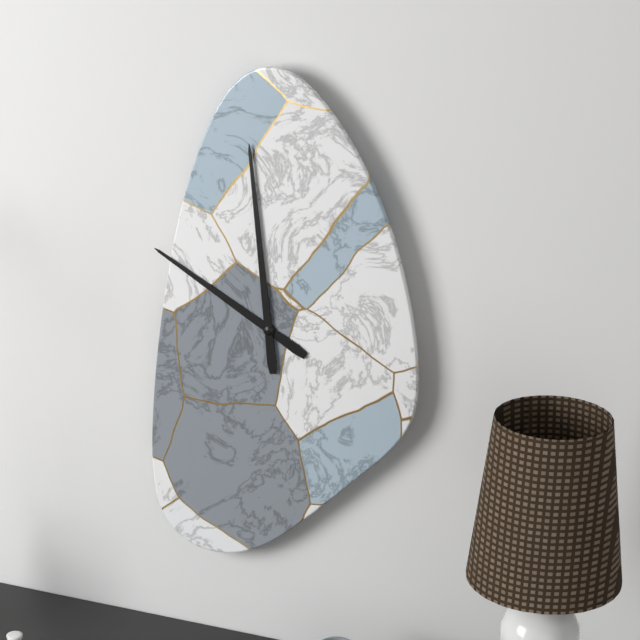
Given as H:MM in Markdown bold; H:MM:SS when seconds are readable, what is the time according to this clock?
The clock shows **9:59**
